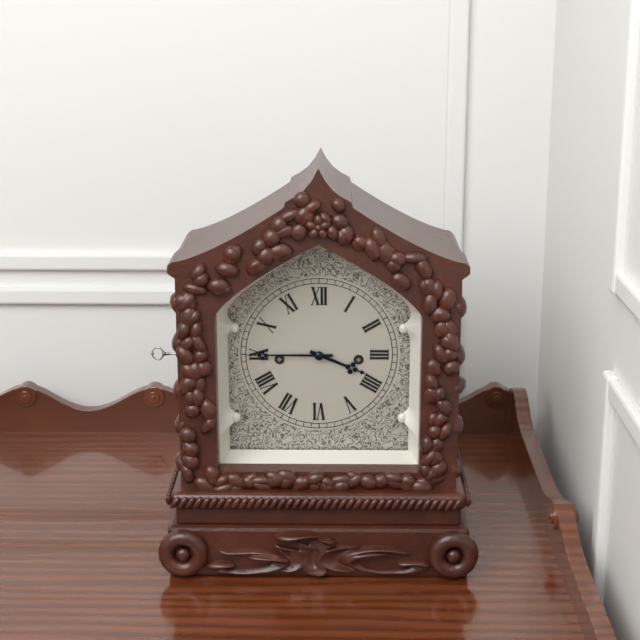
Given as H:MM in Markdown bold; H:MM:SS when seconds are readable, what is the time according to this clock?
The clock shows **3:45**
